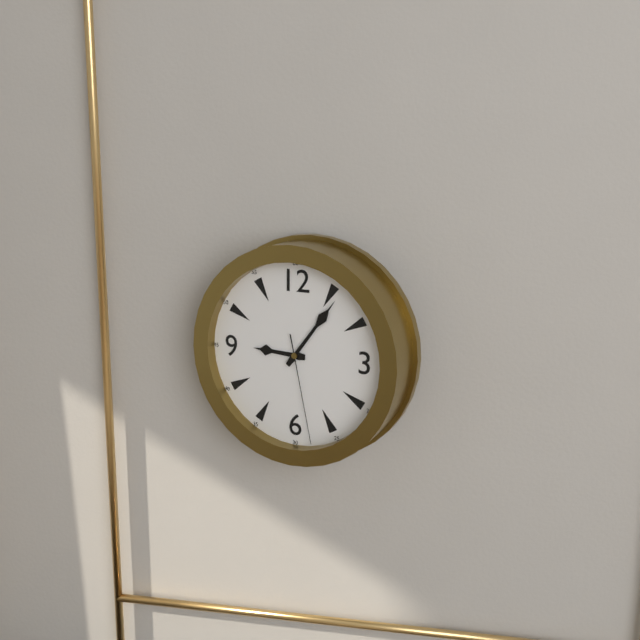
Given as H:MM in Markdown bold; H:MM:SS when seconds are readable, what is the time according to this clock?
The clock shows **9:06:28**
